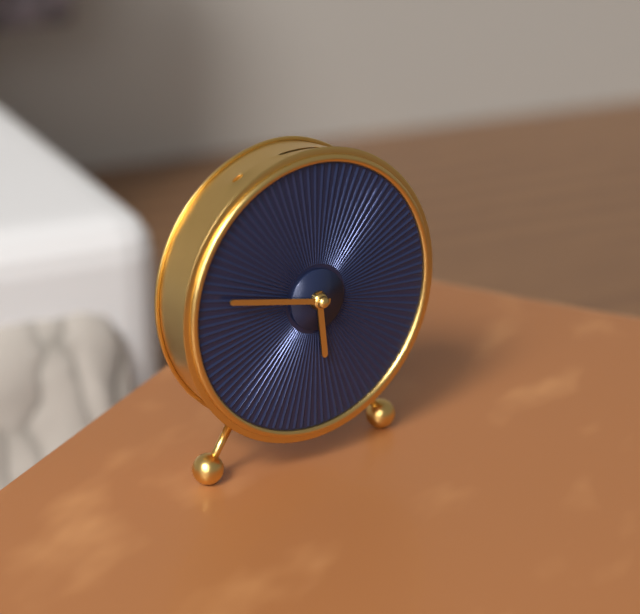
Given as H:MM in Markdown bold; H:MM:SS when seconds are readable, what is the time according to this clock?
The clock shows **5:47**
